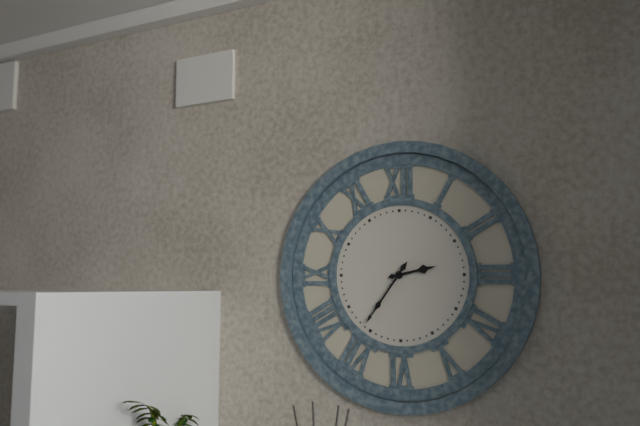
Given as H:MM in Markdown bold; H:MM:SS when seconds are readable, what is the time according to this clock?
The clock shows **2:36**
